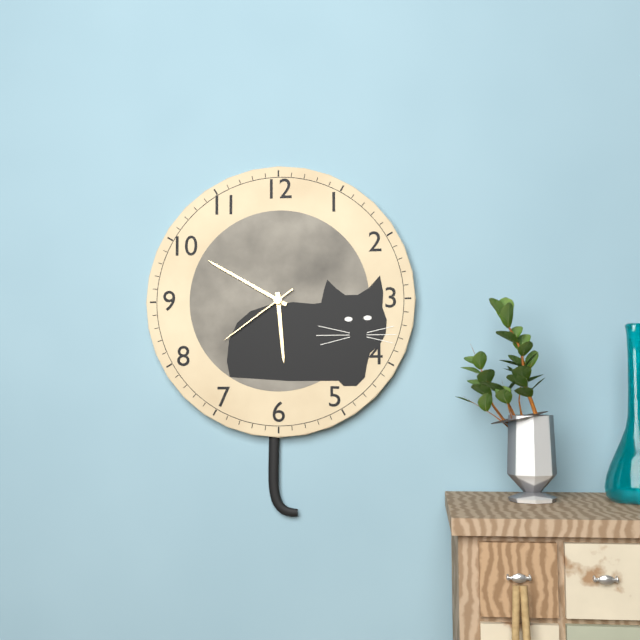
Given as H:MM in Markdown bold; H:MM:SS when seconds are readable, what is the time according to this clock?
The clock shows **5:50:39**
